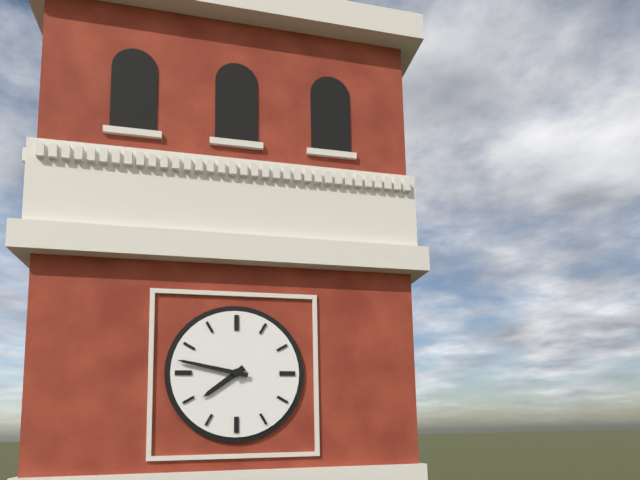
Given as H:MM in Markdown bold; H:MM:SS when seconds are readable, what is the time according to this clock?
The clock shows **7:47**
